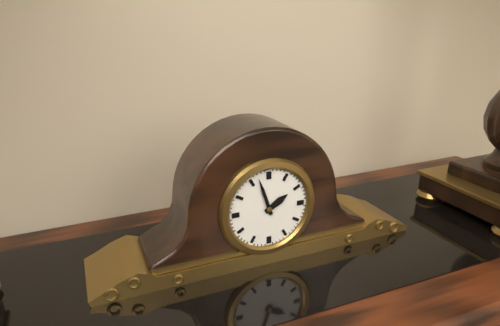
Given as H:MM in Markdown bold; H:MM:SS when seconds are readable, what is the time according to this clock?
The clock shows **1:57**
